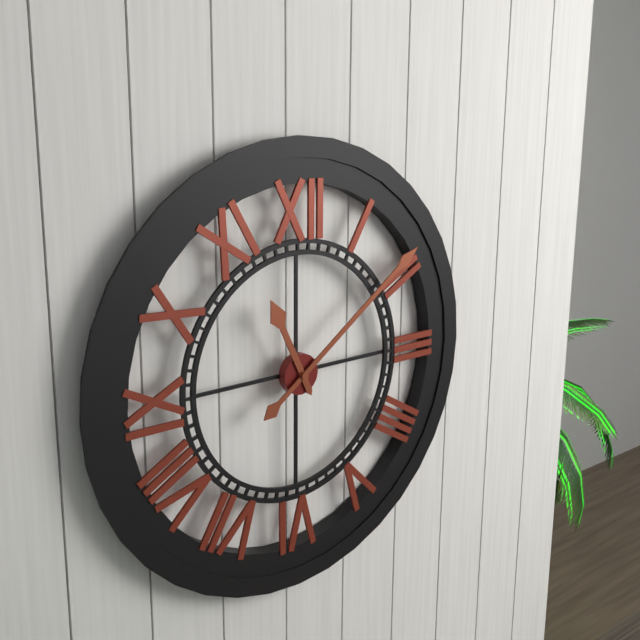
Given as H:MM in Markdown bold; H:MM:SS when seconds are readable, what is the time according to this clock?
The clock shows **11:09**
